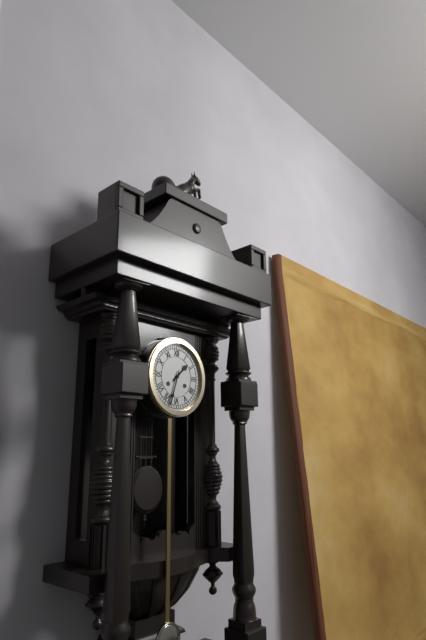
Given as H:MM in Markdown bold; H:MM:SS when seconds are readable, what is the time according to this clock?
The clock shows **1:33**
